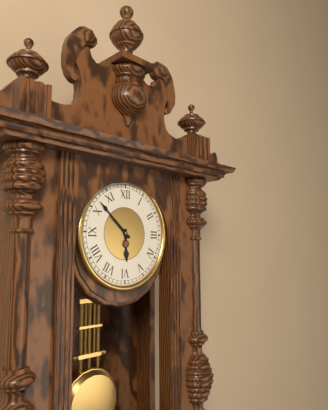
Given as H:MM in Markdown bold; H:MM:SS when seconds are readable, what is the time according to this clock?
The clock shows **5:52**
